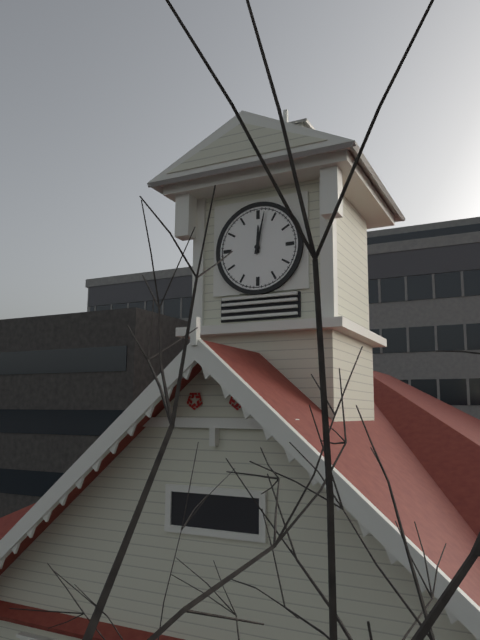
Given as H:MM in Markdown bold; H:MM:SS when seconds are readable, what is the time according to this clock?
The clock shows **12:02**
